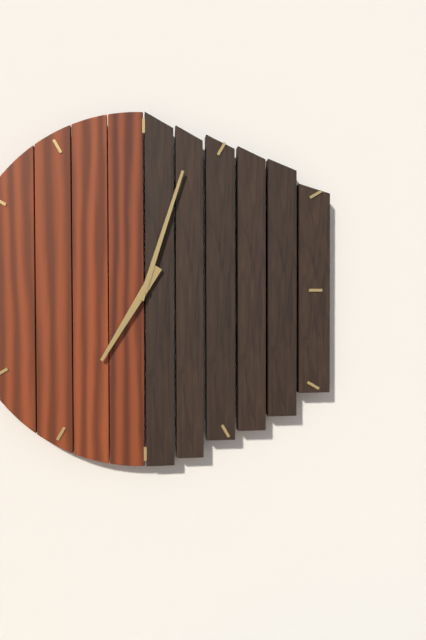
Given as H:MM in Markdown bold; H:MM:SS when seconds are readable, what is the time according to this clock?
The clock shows **7:03**
